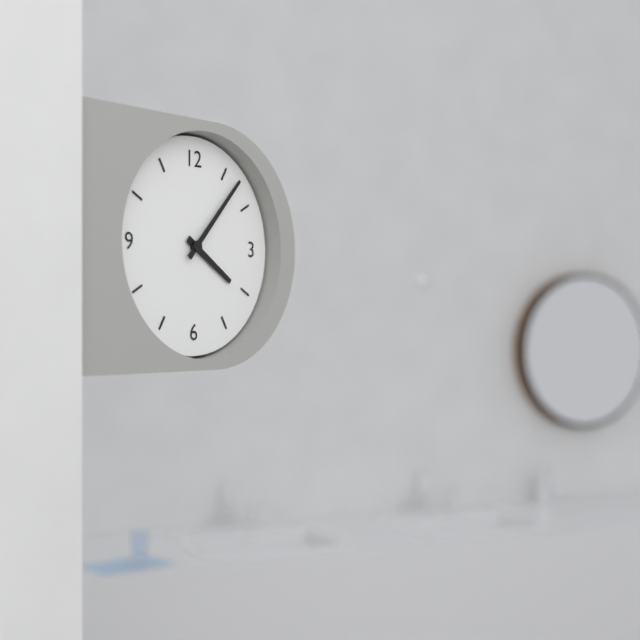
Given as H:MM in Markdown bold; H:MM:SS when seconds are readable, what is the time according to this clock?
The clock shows **4:07**
